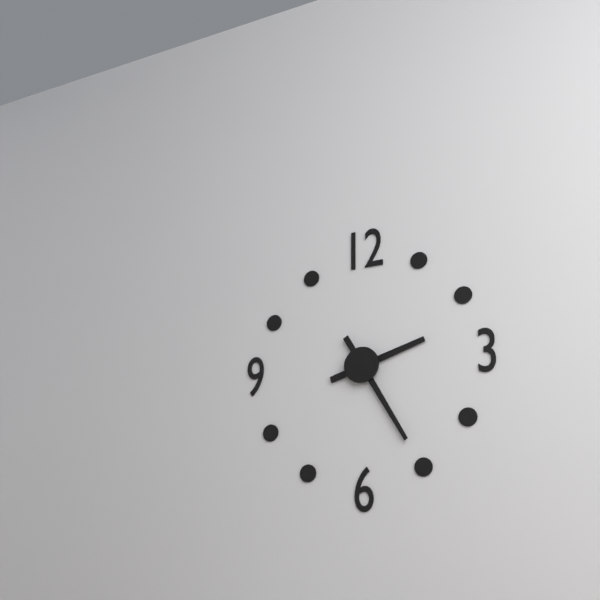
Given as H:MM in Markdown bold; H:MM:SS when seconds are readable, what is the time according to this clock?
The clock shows **2:25**
